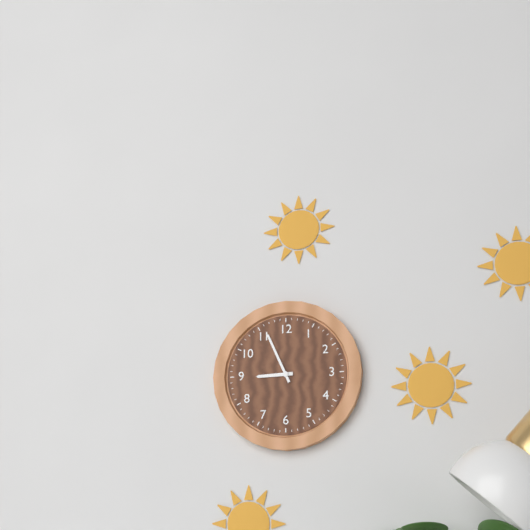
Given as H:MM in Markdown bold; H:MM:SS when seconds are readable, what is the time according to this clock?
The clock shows **8:56**
